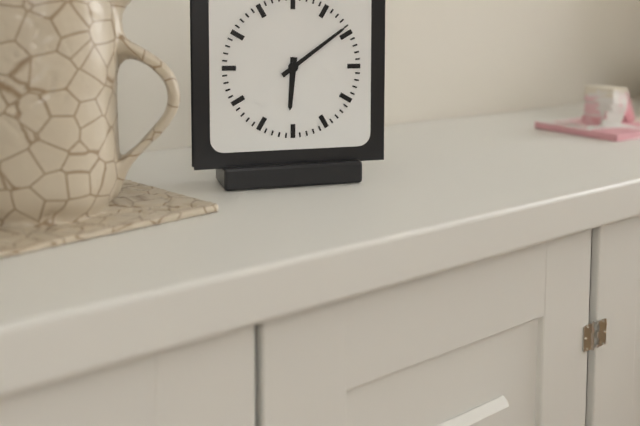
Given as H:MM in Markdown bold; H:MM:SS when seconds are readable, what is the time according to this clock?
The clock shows **6:09**
